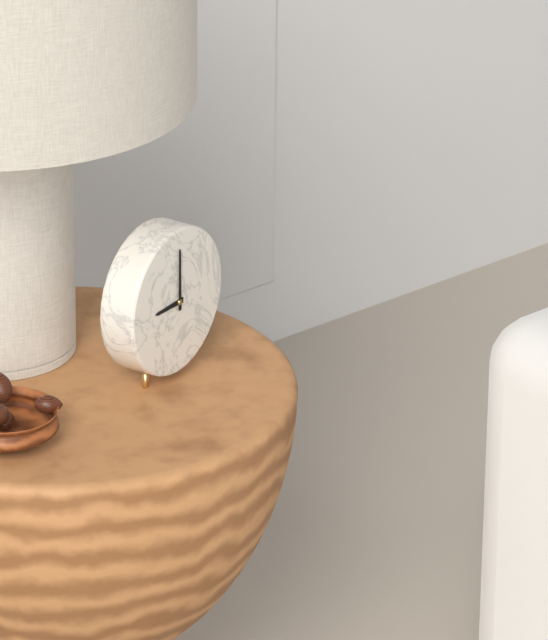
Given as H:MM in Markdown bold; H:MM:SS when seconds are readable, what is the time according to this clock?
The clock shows **9:00**
